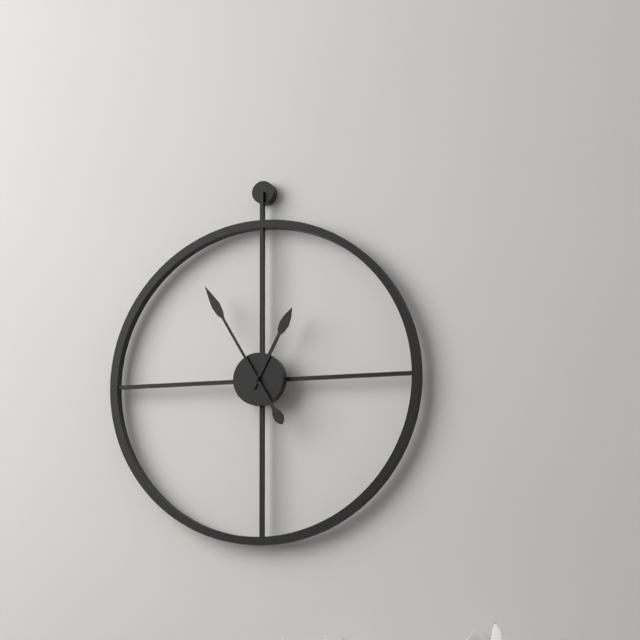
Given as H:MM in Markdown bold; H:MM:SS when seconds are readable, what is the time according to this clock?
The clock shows **12:55**
